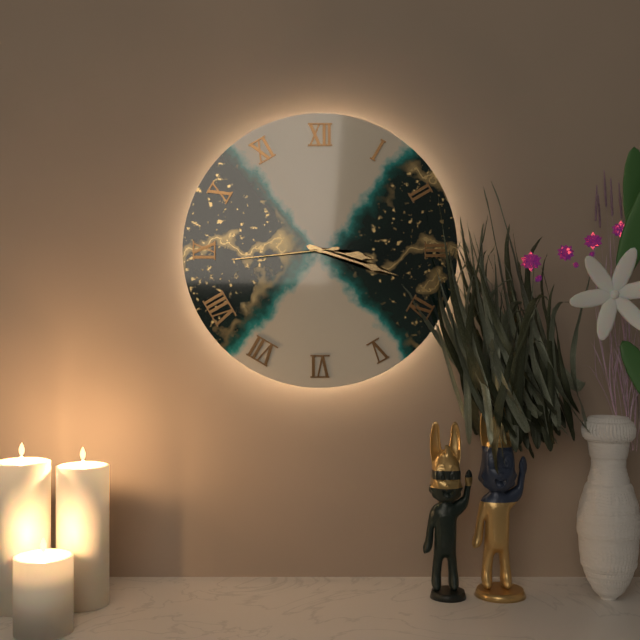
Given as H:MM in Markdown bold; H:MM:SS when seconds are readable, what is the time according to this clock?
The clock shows **3:18:44**
